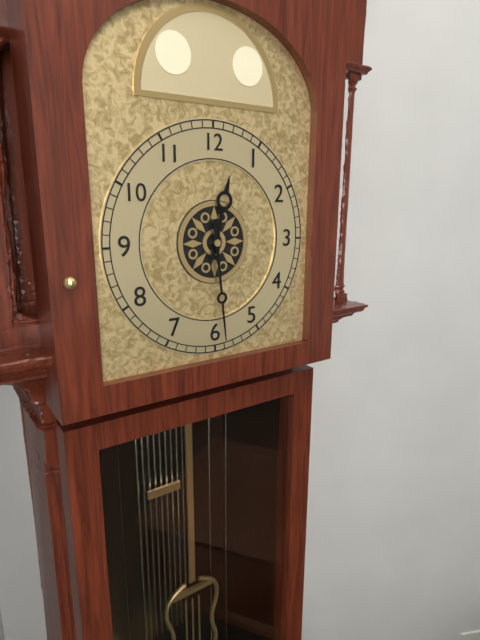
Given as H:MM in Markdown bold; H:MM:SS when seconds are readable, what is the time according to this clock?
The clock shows **12:29**
